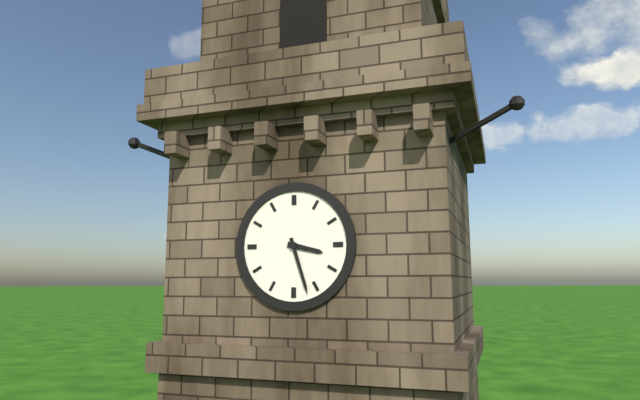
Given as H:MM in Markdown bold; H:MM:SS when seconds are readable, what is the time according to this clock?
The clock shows **3:27**
